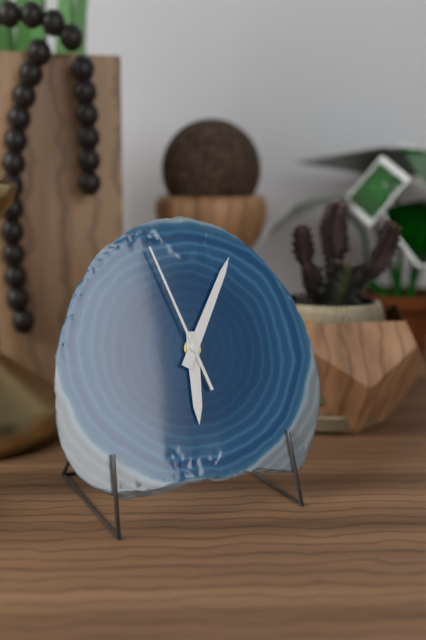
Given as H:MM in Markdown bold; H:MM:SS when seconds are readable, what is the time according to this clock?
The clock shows **6:05:57**
